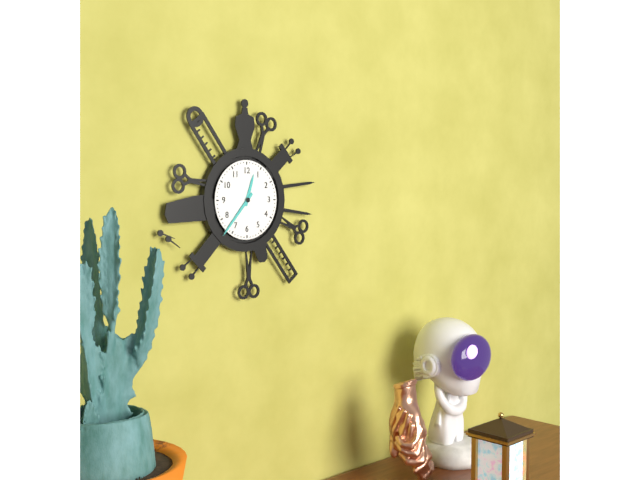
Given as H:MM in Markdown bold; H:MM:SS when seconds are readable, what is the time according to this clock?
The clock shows **12:37**
